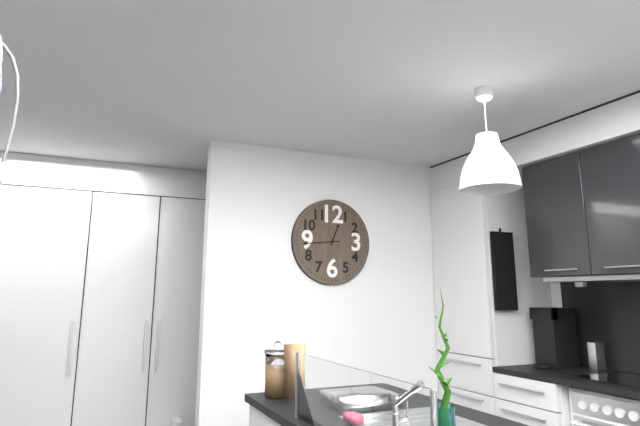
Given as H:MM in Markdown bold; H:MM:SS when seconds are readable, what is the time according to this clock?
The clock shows **12:44**
